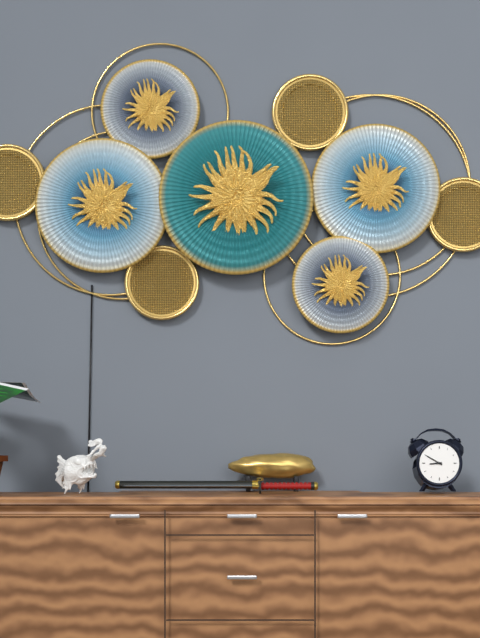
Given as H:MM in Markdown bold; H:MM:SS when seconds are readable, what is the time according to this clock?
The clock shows **8:50**
